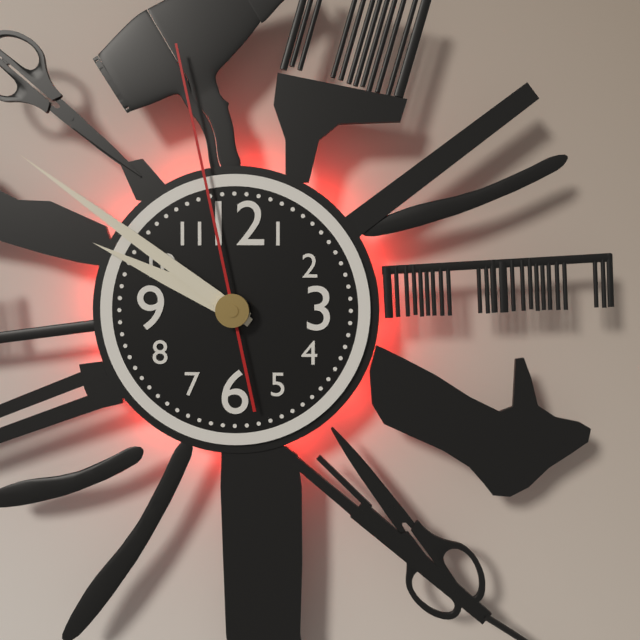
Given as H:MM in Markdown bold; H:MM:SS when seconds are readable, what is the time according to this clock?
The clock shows **9:51:58**
